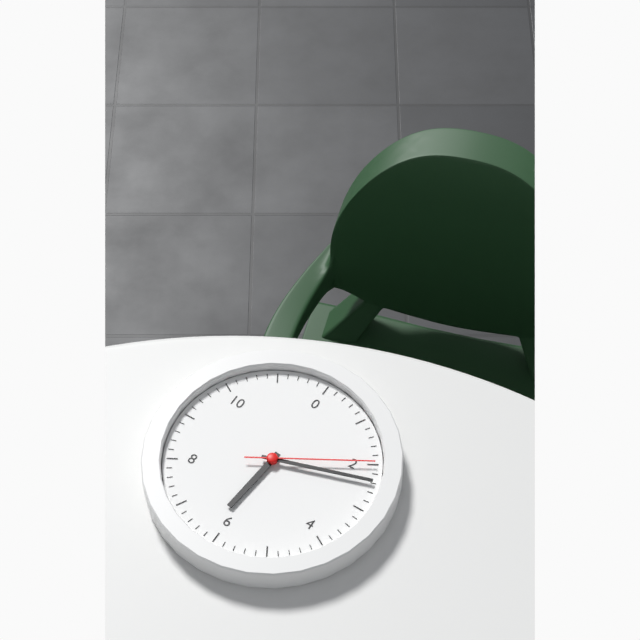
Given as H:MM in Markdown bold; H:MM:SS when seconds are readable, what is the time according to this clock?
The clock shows **6:12:10**
